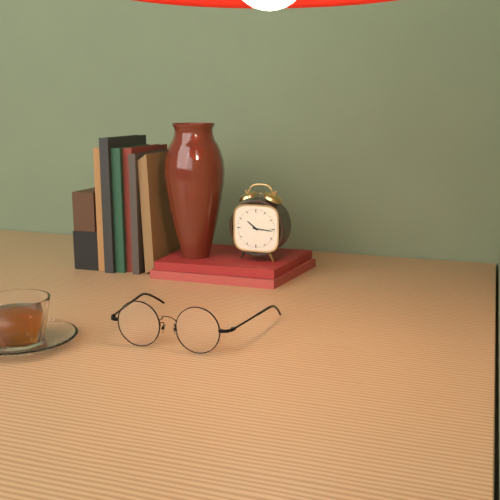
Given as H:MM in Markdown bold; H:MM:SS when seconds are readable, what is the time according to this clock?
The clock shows **10:16**
